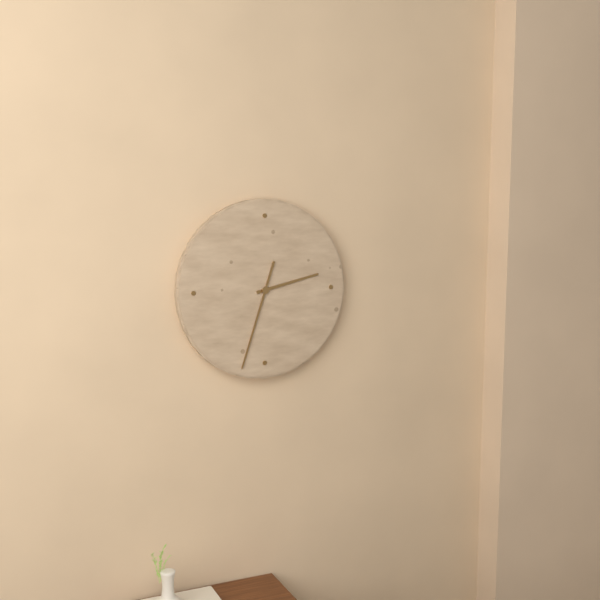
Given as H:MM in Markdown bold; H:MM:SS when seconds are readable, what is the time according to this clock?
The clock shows **2:33**
